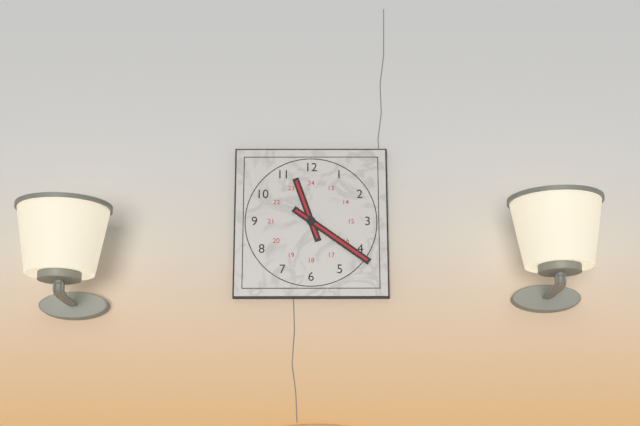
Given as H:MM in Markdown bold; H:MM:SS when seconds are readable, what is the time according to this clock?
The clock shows **11:21**
